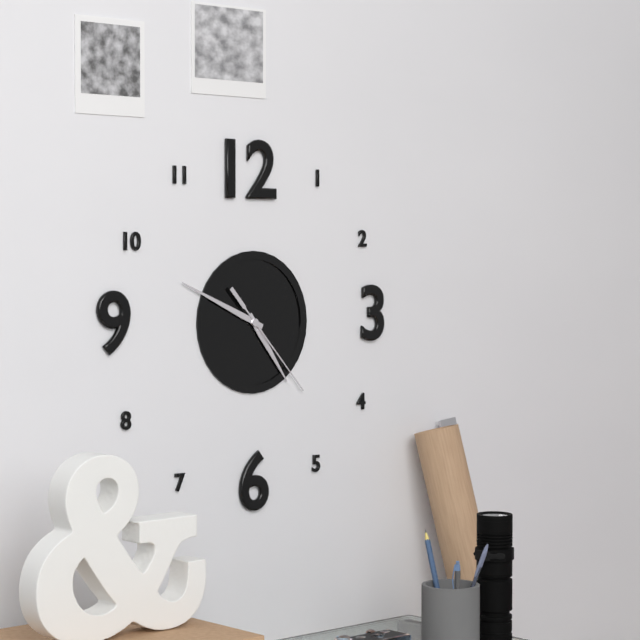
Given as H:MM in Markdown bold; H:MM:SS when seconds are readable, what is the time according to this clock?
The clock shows **4:49:23**
